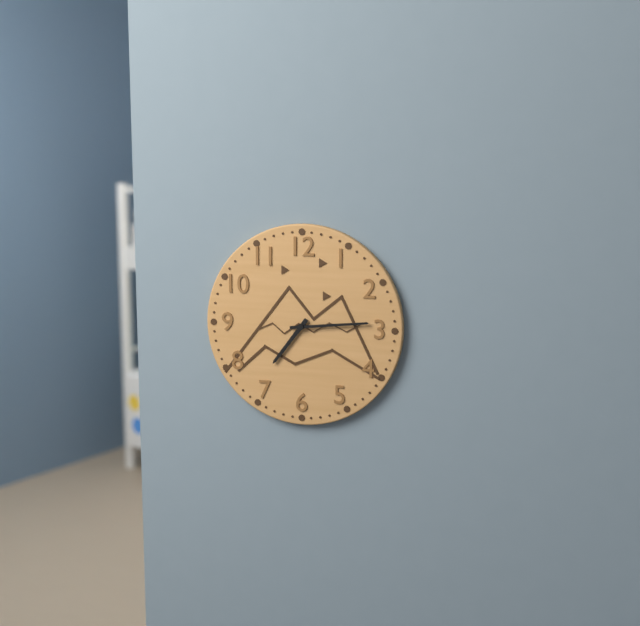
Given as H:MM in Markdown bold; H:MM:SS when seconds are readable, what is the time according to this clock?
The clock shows **7:14**
